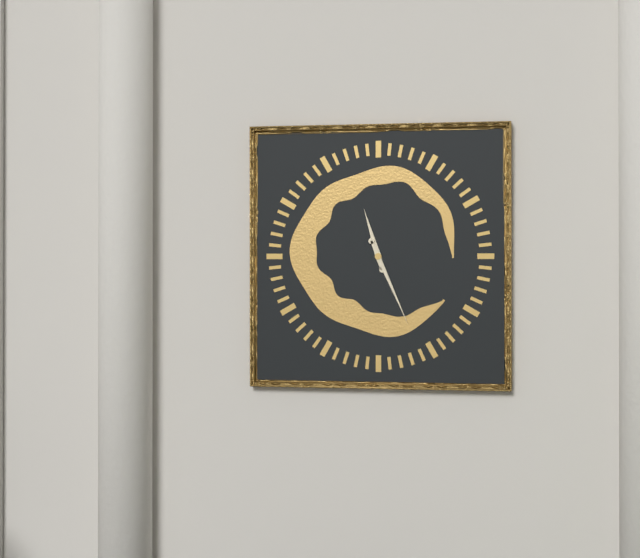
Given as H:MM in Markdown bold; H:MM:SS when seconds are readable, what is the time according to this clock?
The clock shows **11:26**
